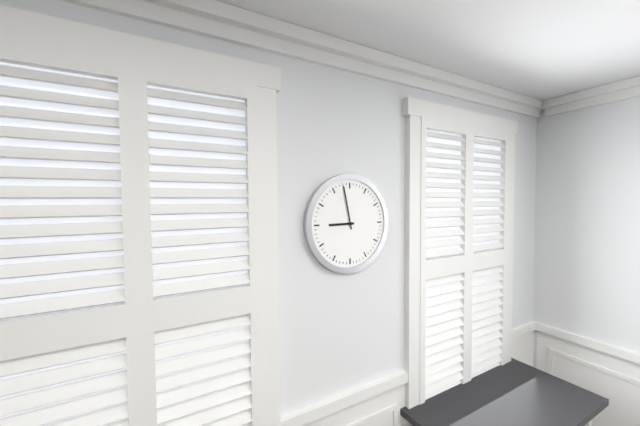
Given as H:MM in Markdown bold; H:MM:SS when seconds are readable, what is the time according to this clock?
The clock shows **8:58**
